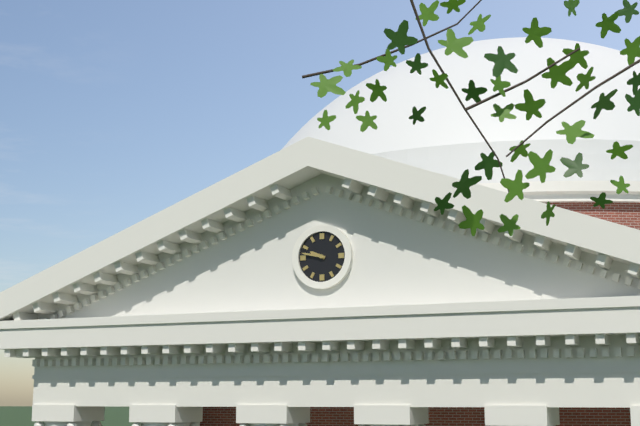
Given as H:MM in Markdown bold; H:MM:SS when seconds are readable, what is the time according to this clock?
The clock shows **9:47**
